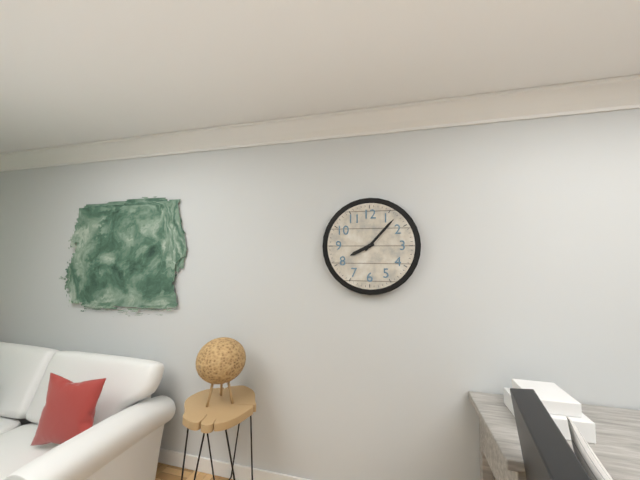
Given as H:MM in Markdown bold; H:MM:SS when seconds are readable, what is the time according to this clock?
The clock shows **8:07**
